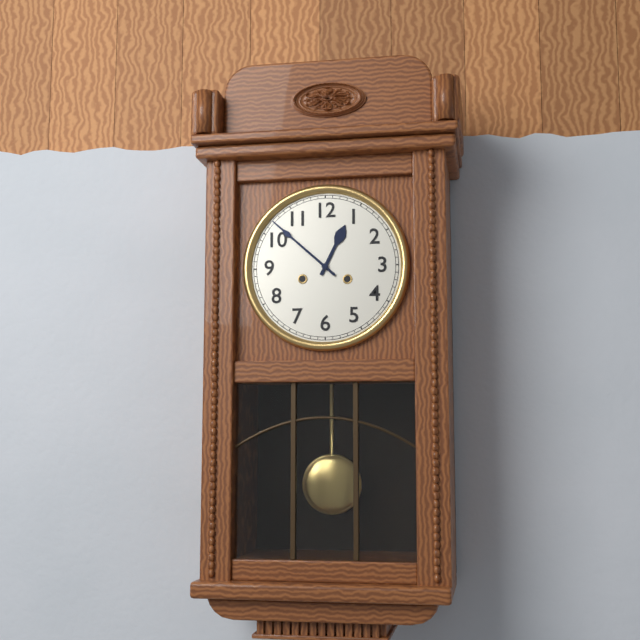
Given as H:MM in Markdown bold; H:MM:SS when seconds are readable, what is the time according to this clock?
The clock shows **12:52**
